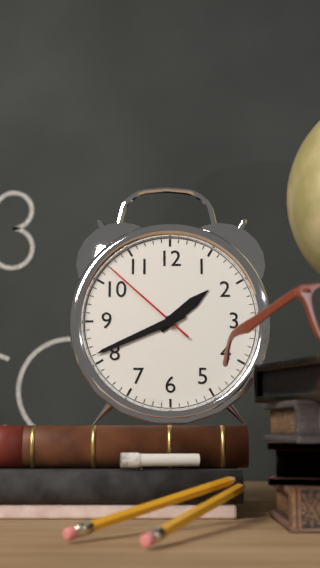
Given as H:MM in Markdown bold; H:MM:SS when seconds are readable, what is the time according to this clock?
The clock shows **1:41:52**
